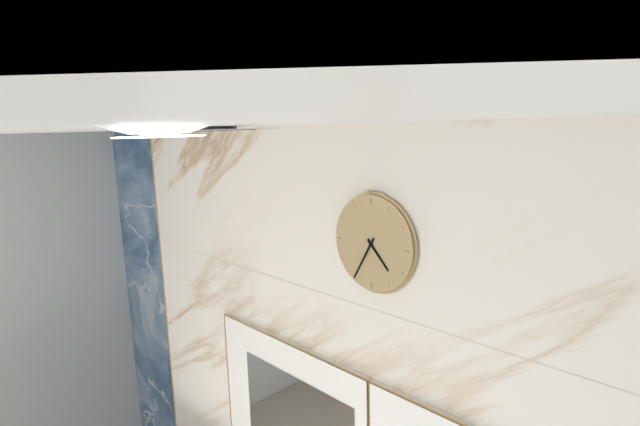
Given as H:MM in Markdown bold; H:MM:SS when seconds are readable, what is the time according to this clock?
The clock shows **4:35**
